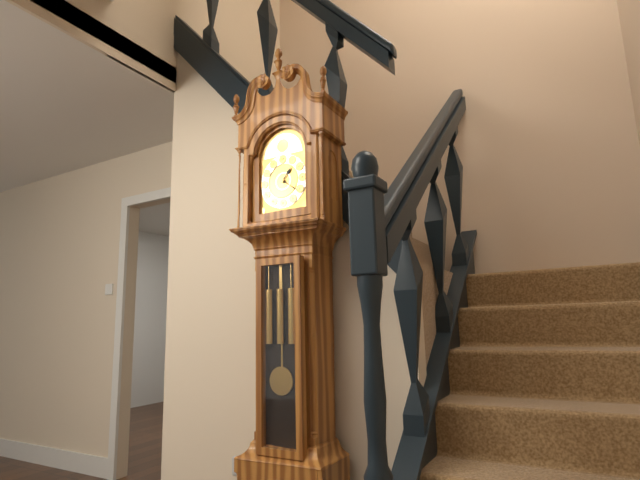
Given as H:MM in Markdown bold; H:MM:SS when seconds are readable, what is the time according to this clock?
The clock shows **1:21**
